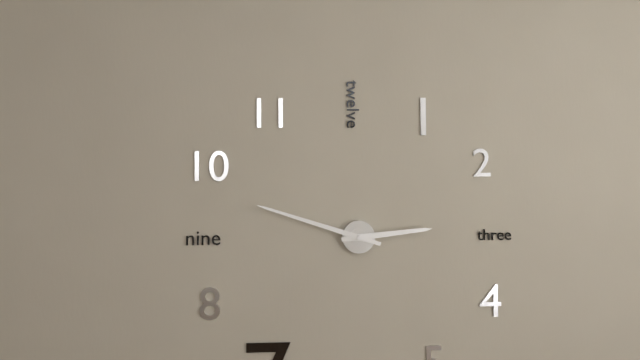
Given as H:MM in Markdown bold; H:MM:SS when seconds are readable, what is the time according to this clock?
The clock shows **2:48**
